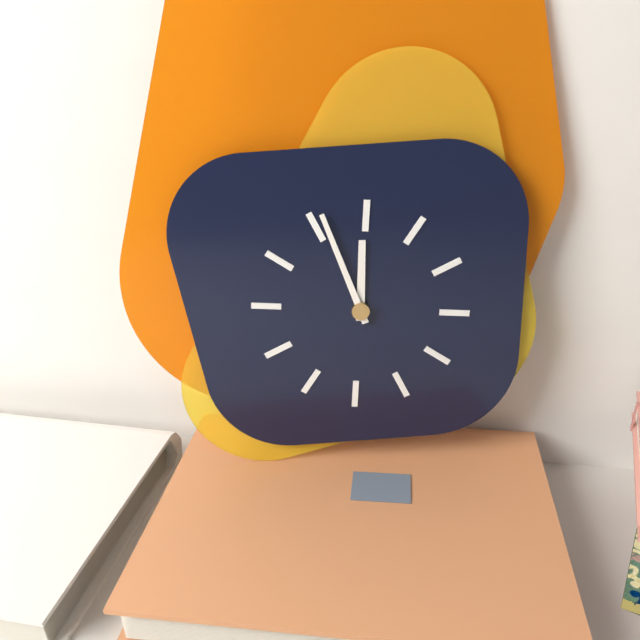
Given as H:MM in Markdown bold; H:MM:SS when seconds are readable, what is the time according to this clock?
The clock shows **11:56**
